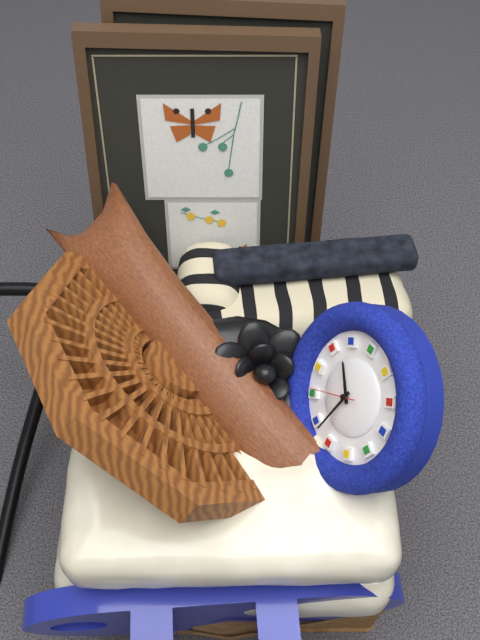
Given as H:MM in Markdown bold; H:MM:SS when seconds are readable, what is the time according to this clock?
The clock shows **11:38**
